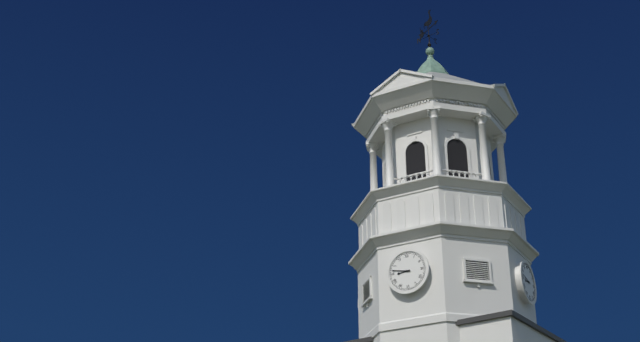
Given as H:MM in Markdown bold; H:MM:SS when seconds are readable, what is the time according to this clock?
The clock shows **8:47**
